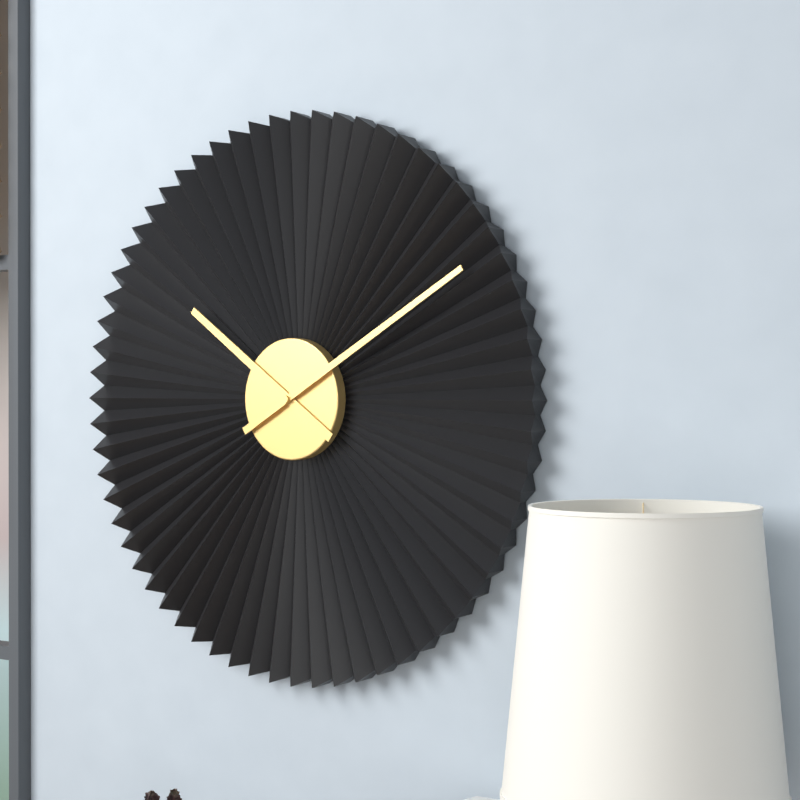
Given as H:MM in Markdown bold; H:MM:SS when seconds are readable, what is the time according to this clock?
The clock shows **10:10**
